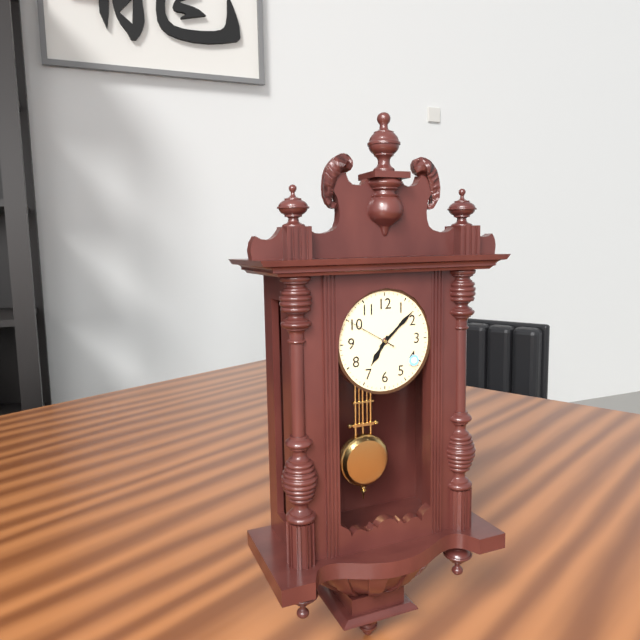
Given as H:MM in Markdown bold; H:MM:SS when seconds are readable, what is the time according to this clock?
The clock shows **7:08:50**
